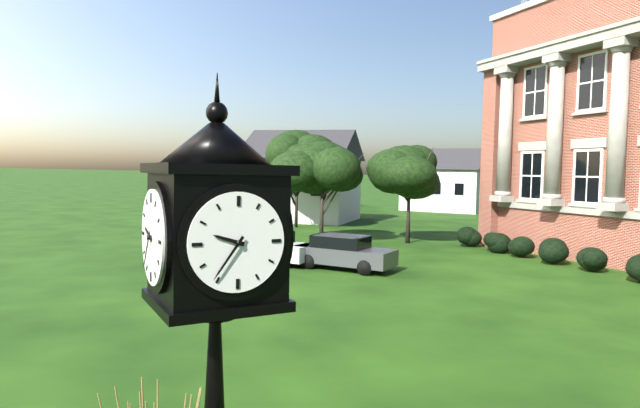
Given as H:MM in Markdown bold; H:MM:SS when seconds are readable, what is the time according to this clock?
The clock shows **9:36**
